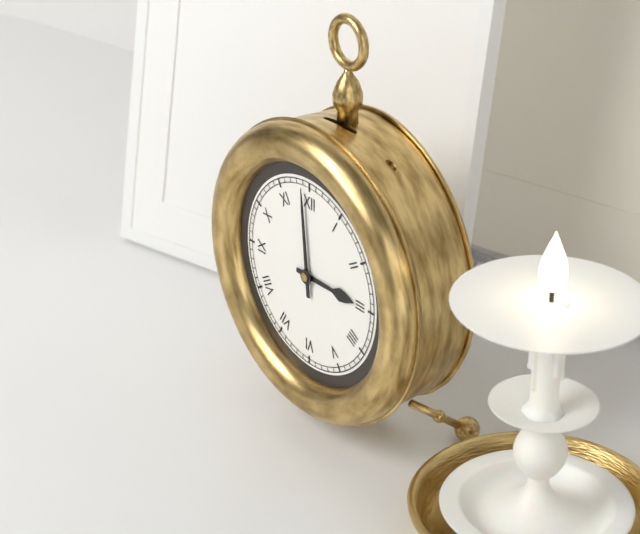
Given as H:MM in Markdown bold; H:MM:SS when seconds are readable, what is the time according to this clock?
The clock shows **2:59**
